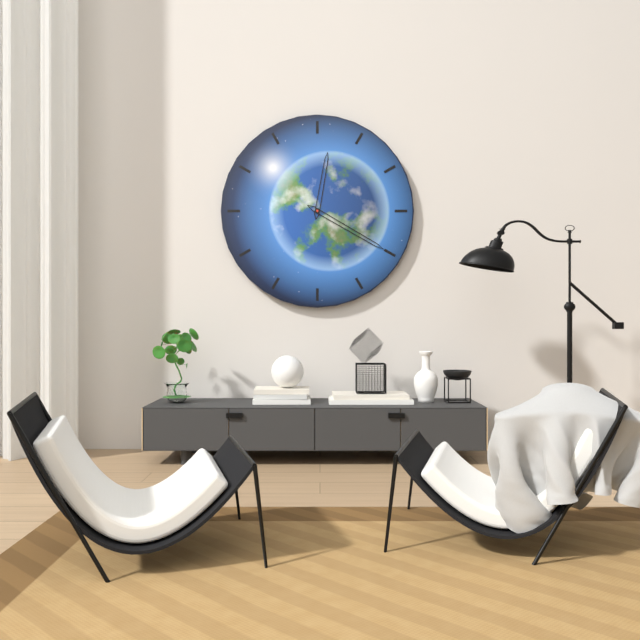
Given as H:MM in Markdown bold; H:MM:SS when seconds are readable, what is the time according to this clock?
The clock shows **12:20**
